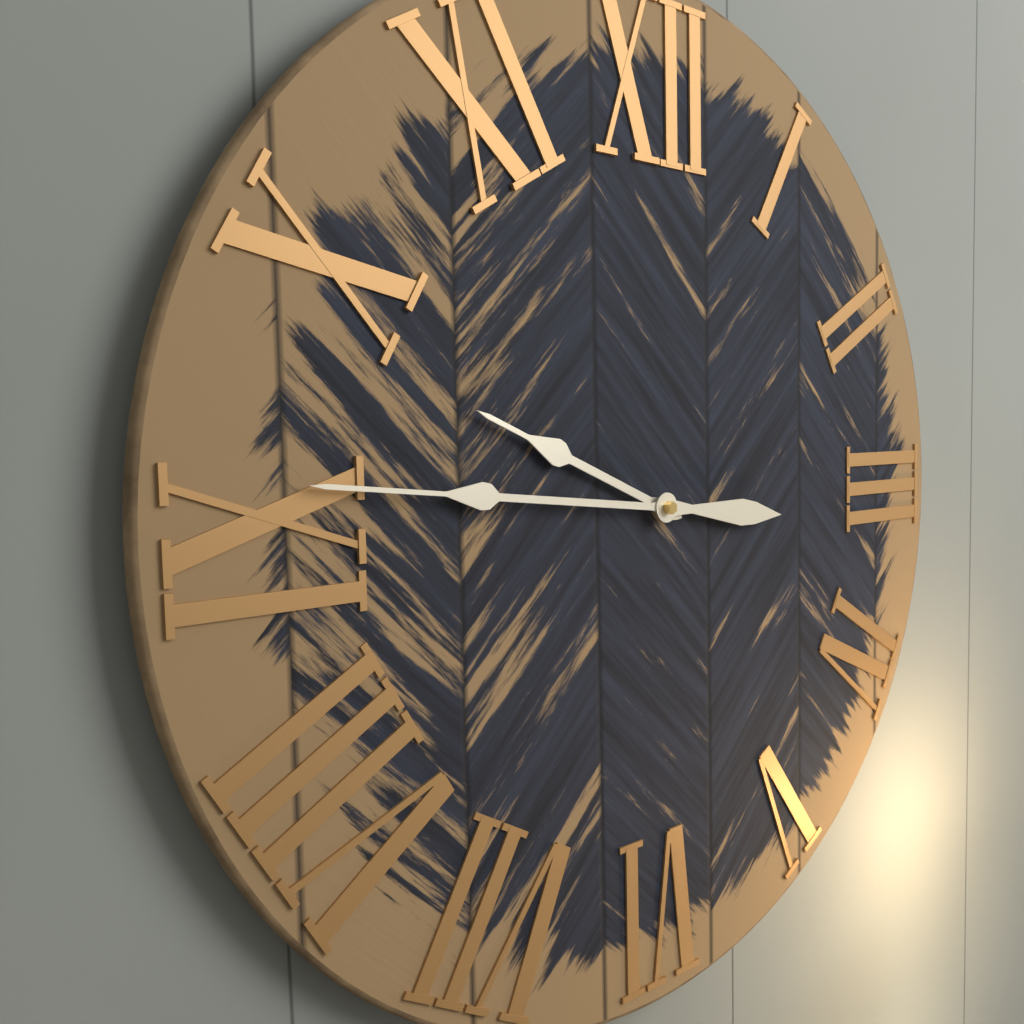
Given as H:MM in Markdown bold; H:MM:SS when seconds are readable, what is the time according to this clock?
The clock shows **9:46**
